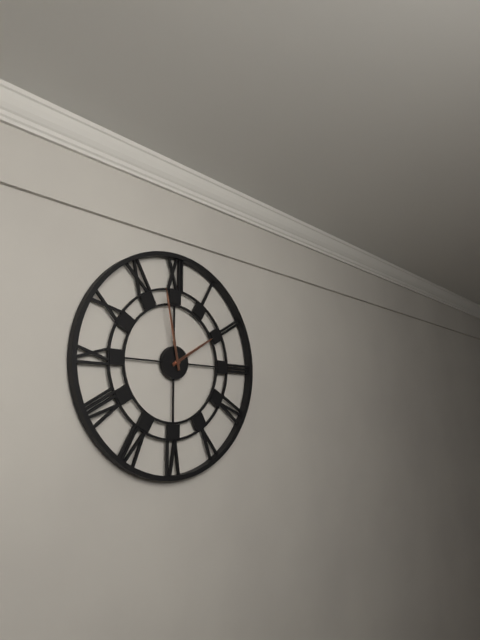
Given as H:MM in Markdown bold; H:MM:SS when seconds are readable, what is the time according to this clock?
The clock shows **1:58**
